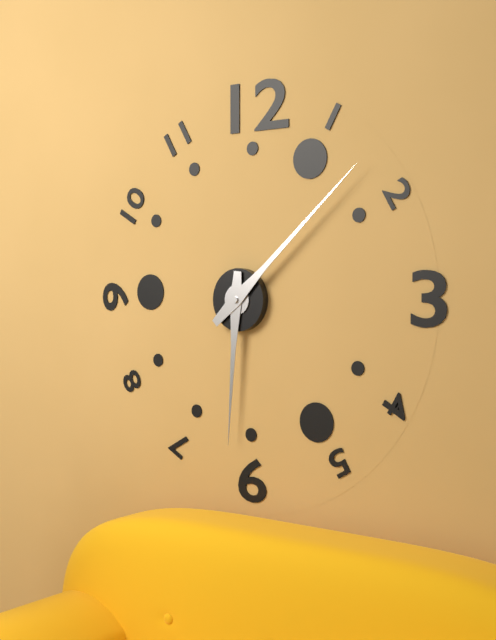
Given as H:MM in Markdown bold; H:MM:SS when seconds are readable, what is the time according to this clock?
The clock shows **6:08**
